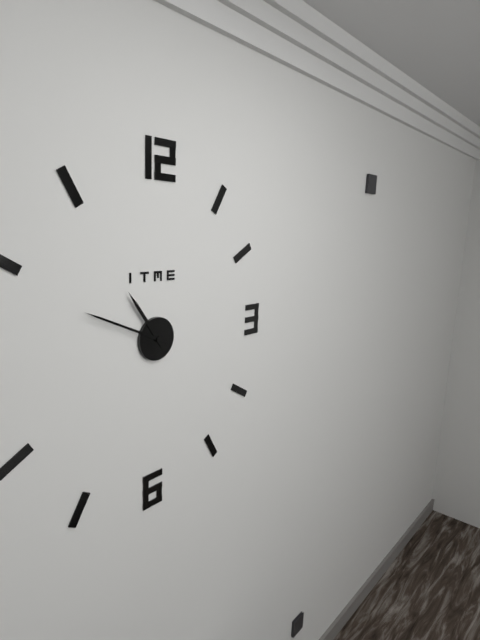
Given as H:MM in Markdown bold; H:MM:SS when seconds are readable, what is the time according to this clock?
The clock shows **10:49**
